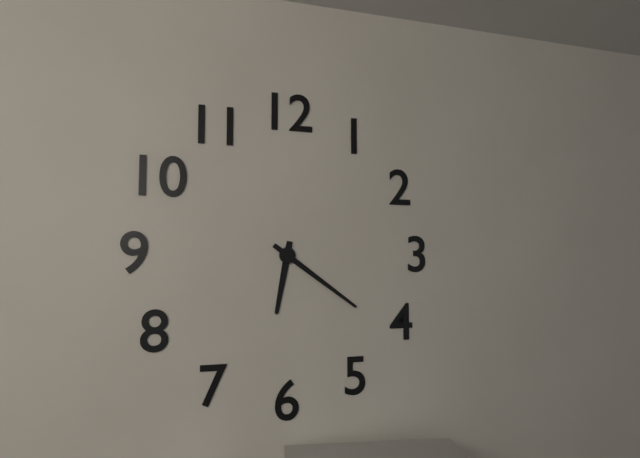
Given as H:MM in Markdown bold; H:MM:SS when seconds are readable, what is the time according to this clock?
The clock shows **6:21**
